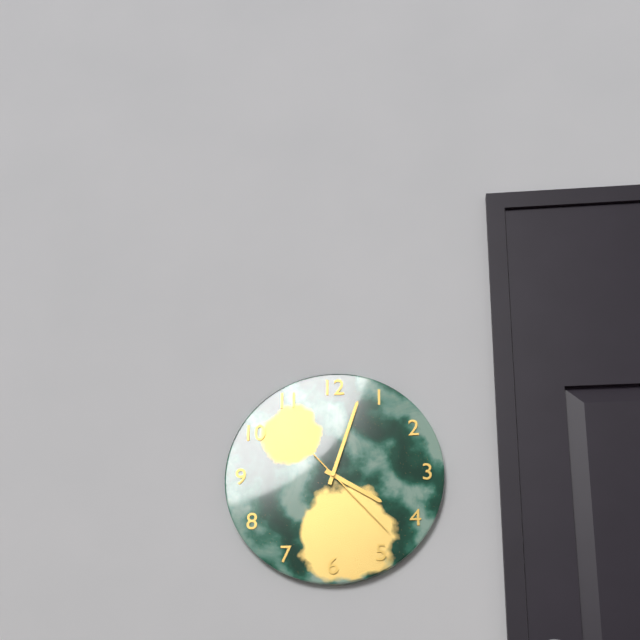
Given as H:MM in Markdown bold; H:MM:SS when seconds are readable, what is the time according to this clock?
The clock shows **4:03:23**
